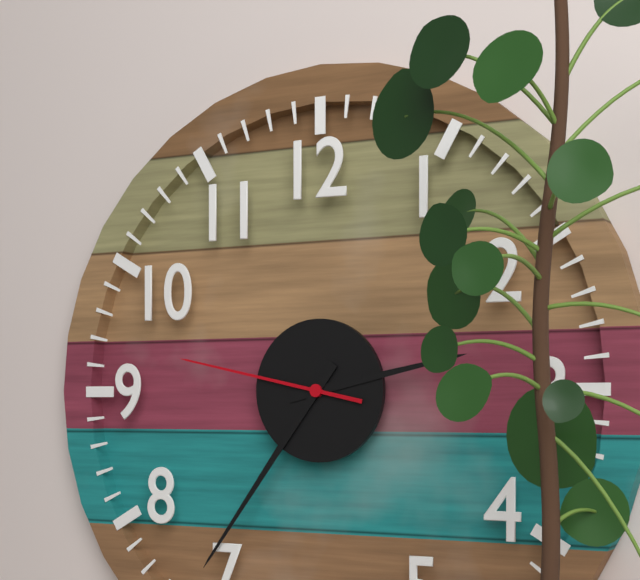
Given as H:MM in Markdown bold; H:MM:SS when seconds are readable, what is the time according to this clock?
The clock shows **2:36:47**
